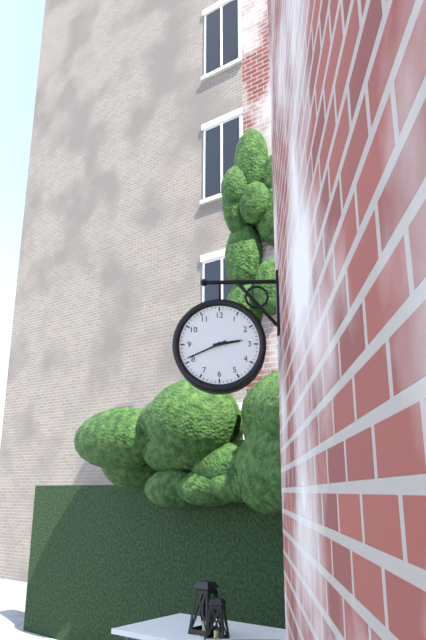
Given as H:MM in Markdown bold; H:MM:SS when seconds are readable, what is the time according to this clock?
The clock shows **2:41**
